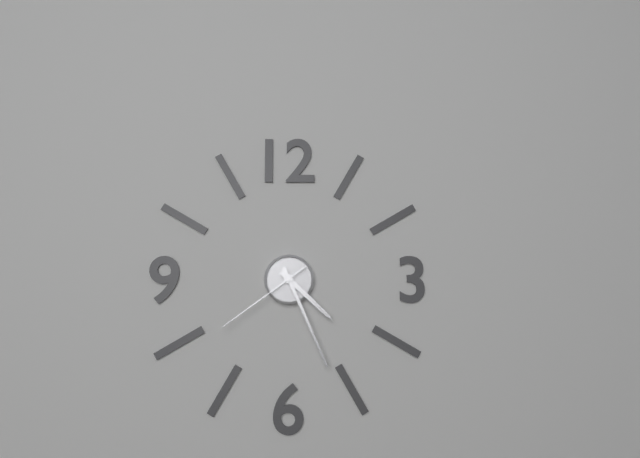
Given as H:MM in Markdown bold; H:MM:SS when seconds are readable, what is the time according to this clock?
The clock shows **4:26:39**
